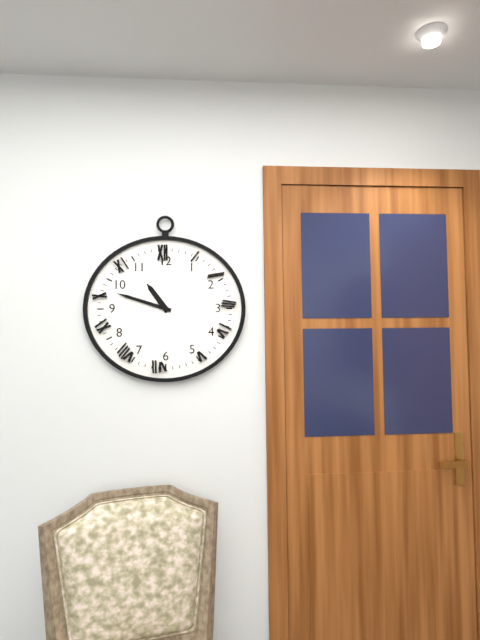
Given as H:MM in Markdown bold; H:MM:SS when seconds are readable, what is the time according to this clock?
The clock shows **10:48**
